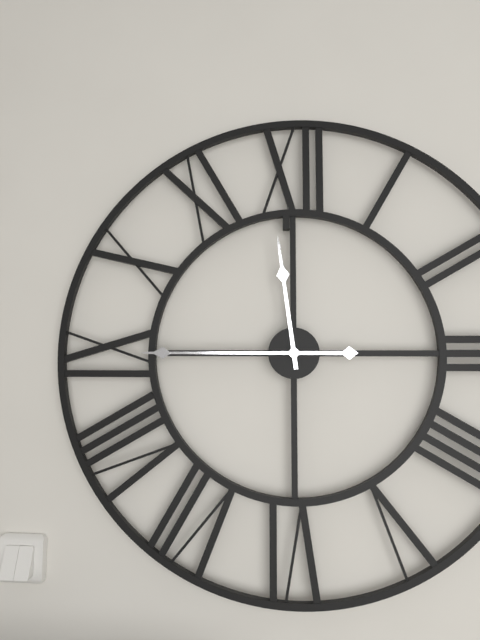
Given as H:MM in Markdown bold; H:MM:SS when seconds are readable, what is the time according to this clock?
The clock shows **11:45**
